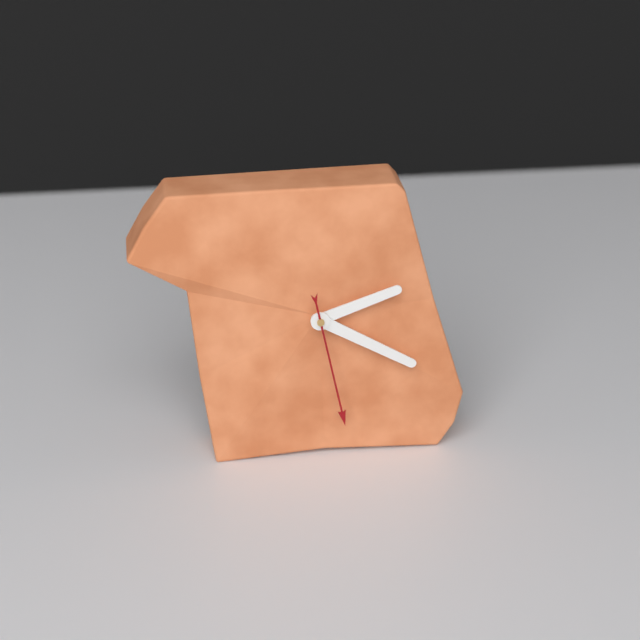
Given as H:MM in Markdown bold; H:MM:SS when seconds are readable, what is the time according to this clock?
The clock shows **2:20:28**
